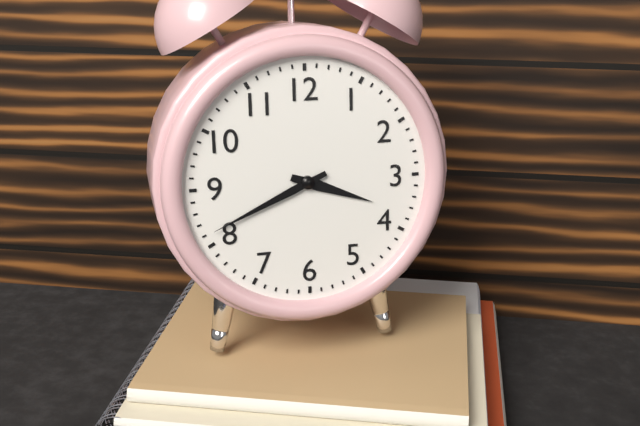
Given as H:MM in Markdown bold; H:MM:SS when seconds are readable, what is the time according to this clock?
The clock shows **3:41**
